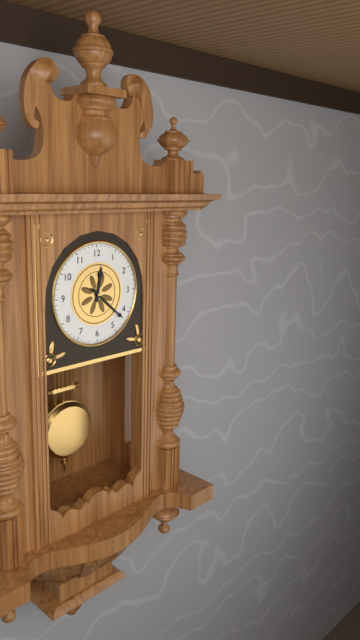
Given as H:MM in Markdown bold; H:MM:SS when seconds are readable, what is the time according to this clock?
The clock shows **12:22**
